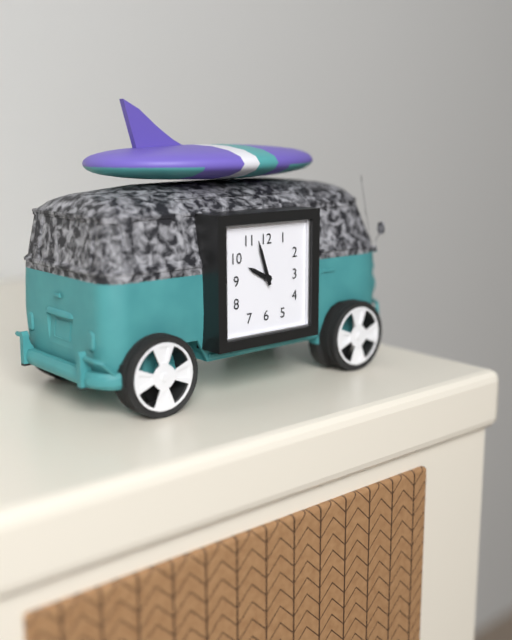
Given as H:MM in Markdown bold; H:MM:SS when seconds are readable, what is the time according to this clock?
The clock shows **9:57**
